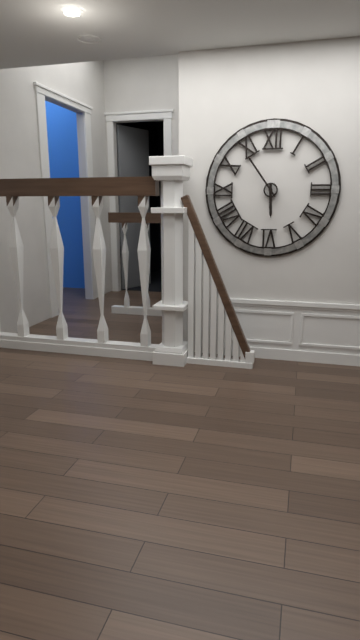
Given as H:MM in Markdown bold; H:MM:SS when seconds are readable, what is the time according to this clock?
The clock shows **5:54**
